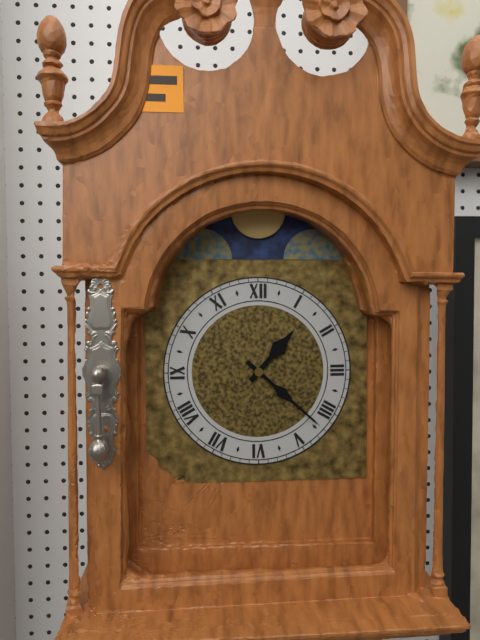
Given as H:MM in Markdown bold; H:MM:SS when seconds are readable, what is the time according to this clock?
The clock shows **1:22**
